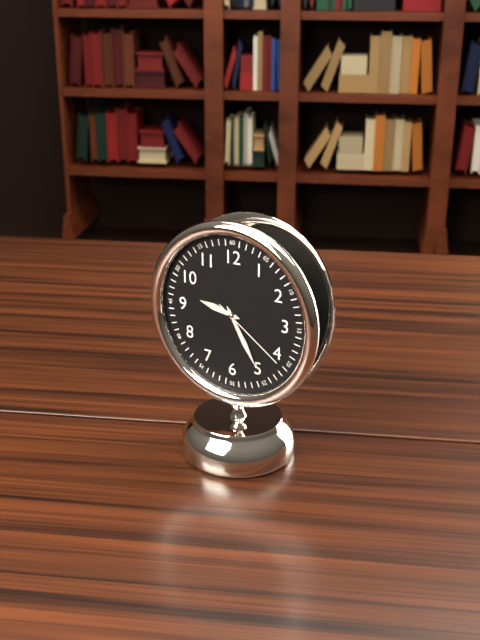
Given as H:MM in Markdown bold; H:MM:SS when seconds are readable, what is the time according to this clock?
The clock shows **9:25:21**
